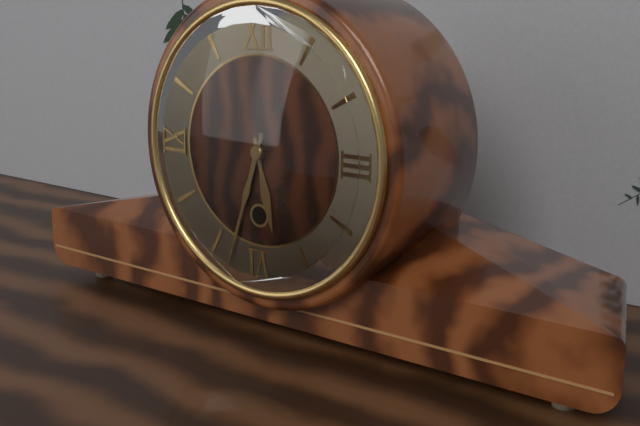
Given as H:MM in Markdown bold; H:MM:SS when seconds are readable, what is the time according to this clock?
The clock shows **5:33**
